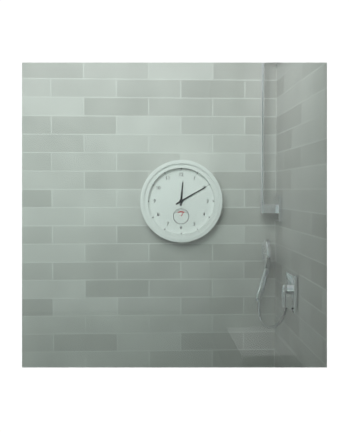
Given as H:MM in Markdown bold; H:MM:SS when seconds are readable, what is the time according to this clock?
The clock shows **12:10**
